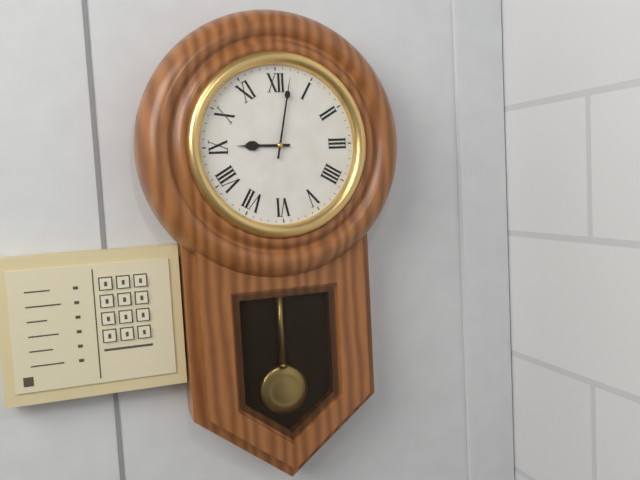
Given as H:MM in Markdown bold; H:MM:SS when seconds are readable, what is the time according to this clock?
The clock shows **9:02**
